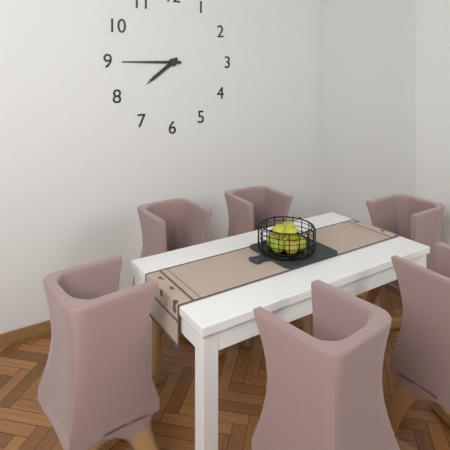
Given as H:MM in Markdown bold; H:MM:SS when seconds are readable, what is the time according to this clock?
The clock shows **7:45**
